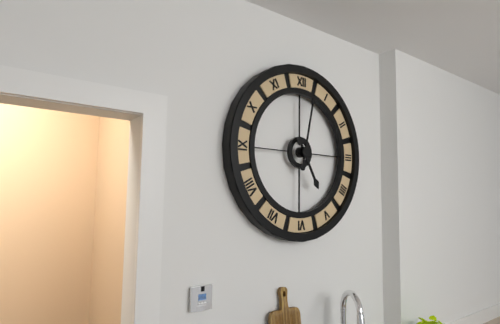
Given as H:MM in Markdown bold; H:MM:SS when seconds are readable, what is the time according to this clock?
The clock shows **5:02**
